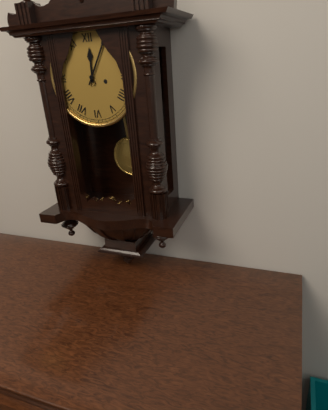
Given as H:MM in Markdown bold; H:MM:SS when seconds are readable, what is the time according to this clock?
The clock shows **12:05**
